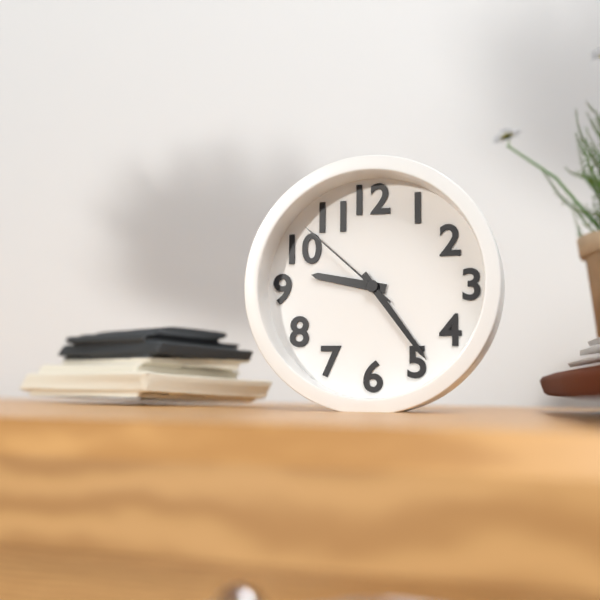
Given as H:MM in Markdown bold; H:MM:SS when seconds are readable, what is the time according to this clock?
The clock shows **9:24:52**
